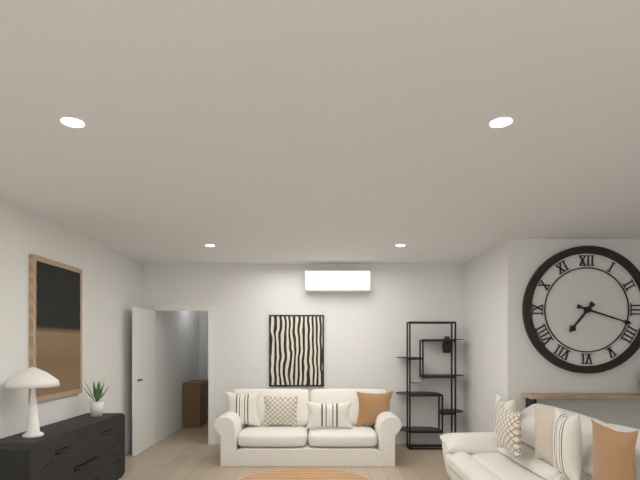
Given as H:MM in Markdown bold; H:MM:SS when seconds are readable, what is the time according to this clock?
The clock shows **7:18**
